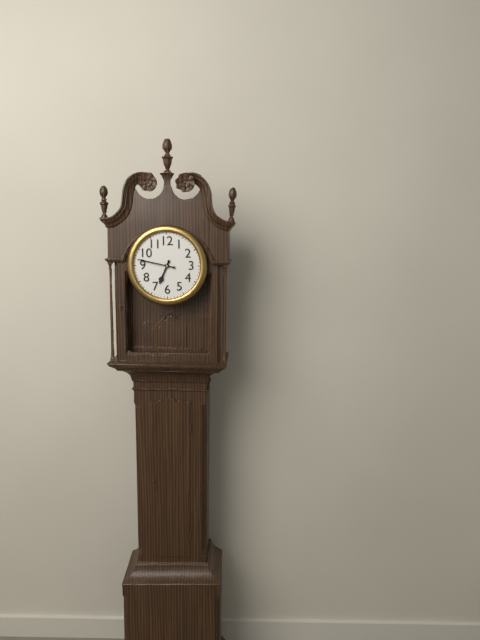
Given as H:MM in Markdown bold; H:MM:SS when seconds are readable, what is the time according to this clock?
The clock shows **6:47**
